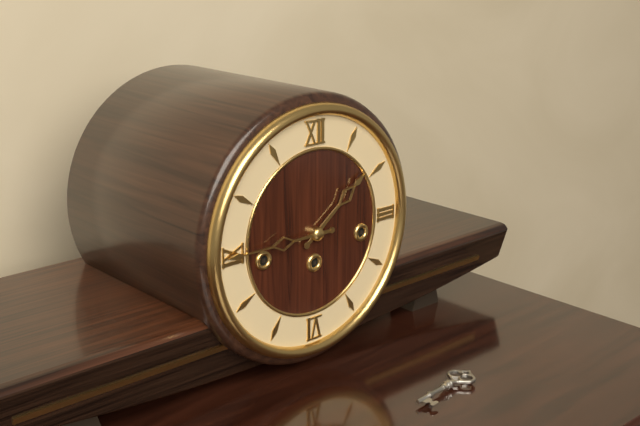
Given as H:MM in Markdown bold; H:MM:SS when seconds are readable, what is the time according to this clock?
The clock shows **1:45**
